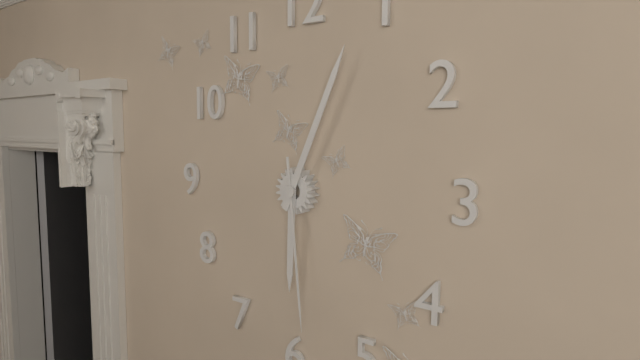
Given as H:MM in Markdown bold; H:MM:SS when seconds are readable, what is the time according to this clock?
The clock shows **6:04:29**
